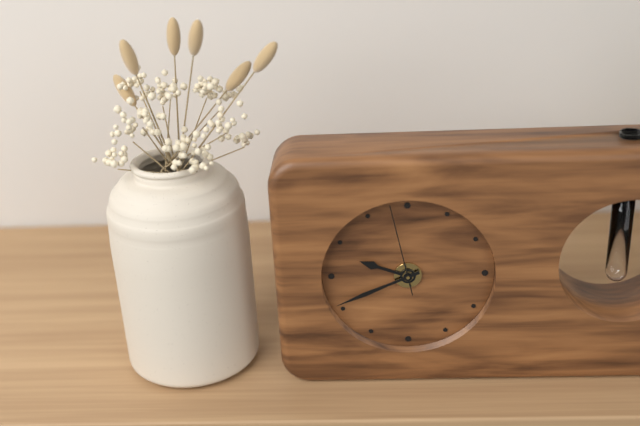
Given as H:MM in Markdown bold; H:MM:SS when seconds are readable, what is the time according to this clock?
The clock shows **9:41:58**
